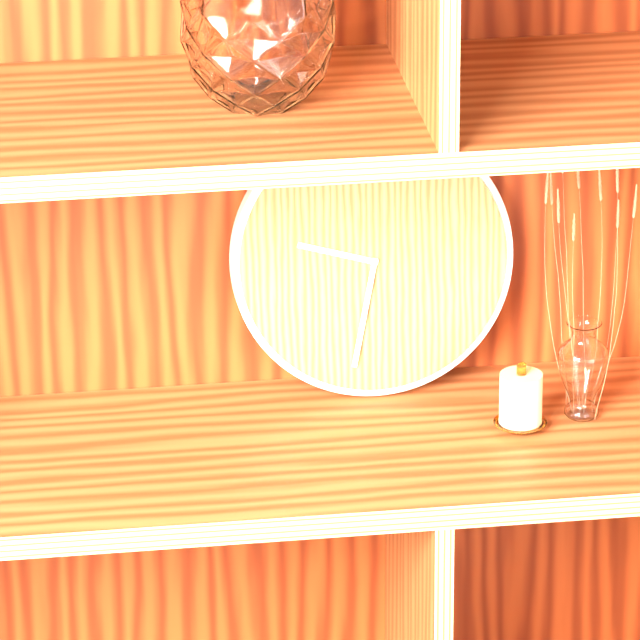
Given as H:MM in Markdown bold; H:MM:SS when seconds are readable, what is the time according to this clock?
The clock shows **9:32**
